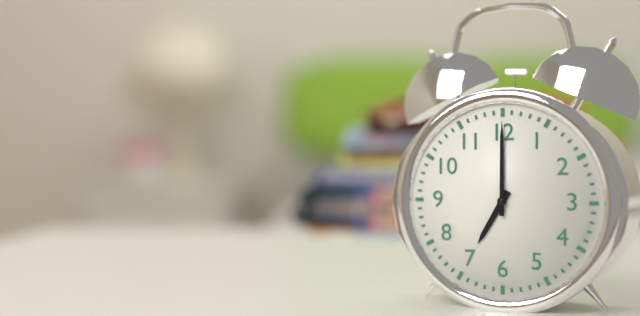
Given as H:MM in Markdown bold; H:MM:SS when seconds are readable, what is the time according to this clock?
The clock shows **7:00**
